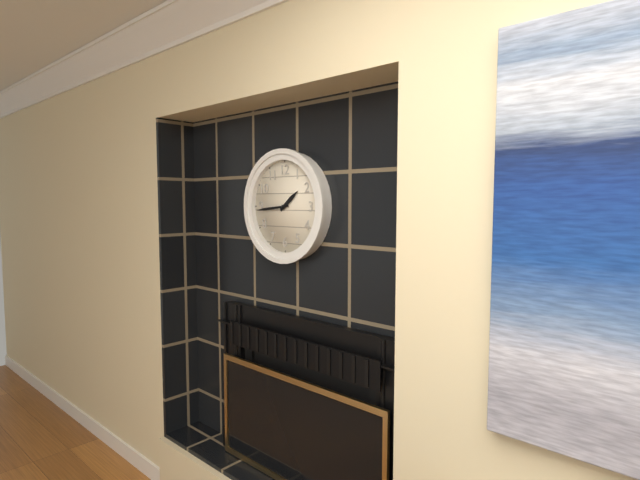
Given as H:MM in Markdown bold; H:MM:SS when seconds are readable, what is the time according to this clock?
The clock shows **1:44**
